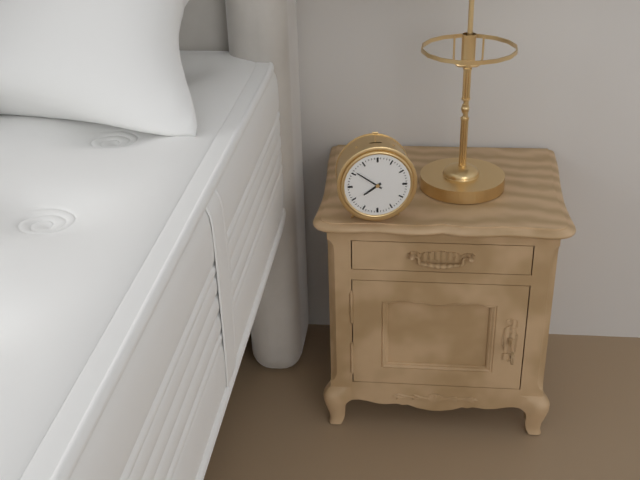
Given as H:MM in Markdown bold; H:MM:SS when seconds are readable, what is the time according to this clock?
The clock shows **7:51**
